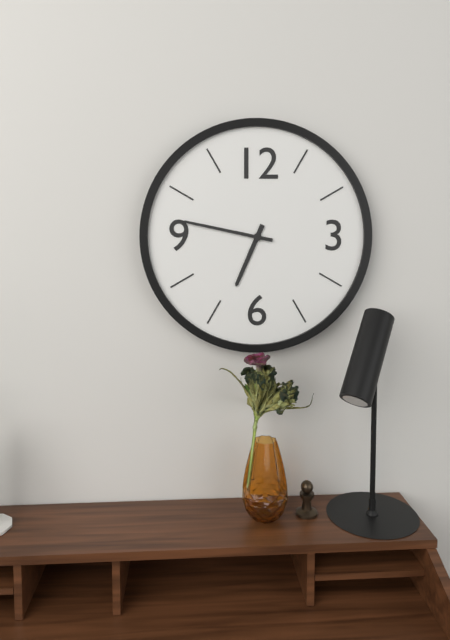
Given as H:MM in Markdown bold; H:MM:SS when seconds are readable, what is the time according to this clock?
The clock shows **6:47**
